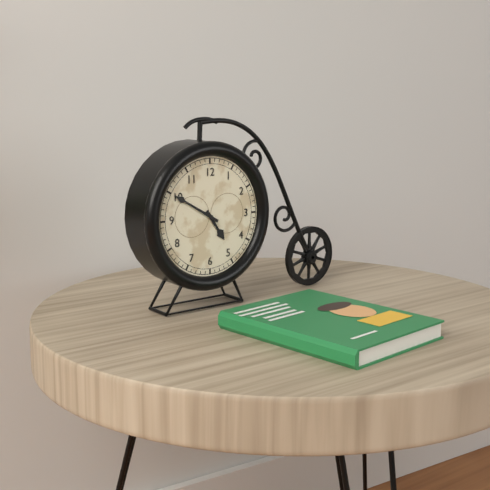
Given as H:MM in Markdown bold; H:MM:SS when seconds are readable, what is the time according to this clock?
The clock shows **4:50**
